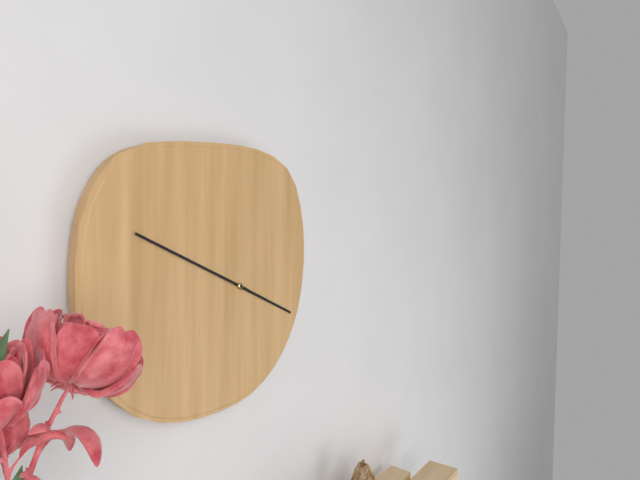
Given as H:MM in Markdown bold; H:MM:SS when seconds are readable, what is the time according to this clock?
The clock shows **3:49**
